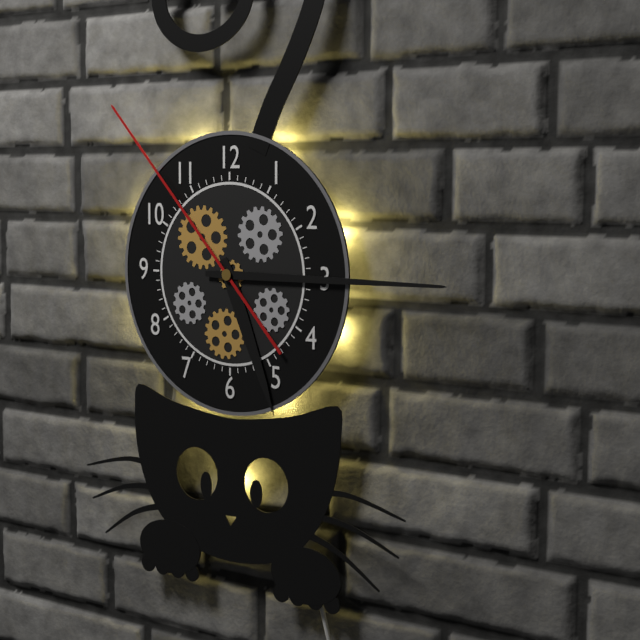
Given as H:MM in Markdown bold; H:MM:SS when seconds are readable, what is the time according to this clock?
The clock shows **5:15:53**
